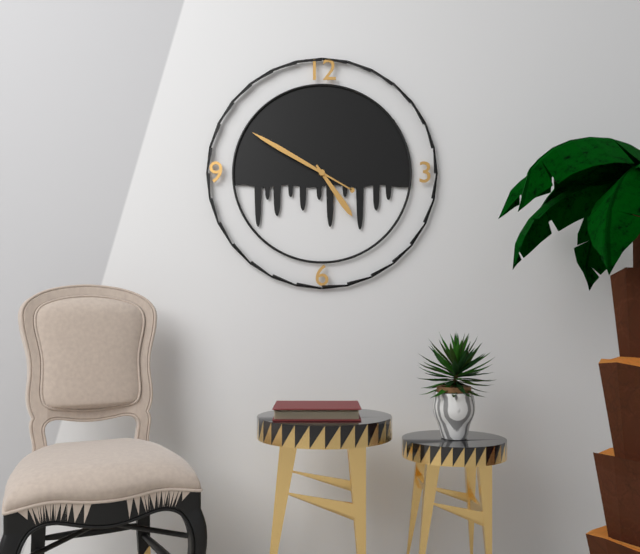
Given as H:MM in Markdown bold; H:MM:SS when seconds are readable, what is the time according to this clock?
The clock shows **4:50**
